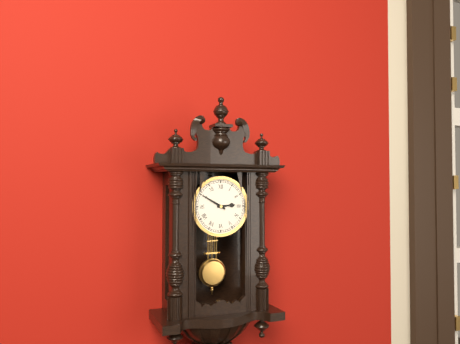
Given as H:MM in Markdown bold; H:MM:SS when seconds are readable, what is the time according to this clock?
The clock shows **2:50**
